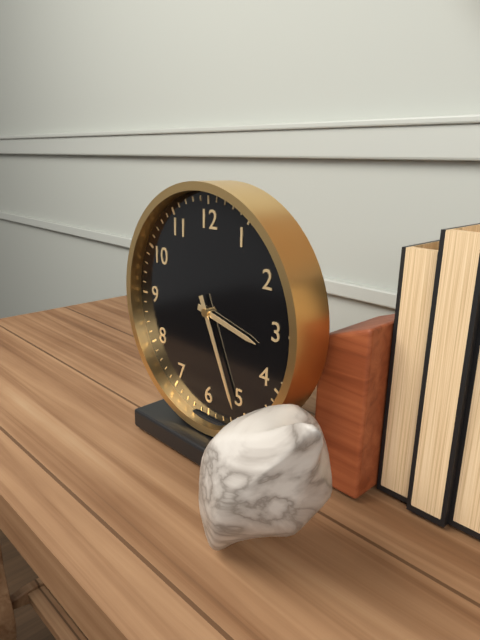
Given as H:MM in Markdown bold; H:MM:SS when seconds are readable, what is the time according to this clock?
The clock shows **3:26**
